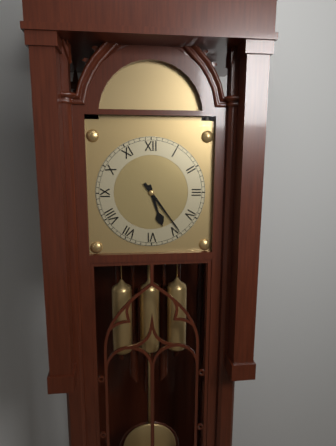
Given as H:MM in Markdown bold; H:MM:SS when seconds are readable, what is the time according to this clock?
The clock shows **5:24**
